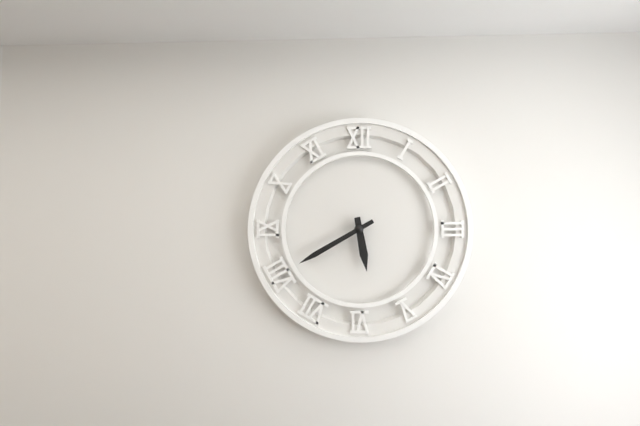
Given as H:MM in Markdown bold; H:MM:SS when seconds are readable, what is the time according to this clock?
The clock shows **5:40**
